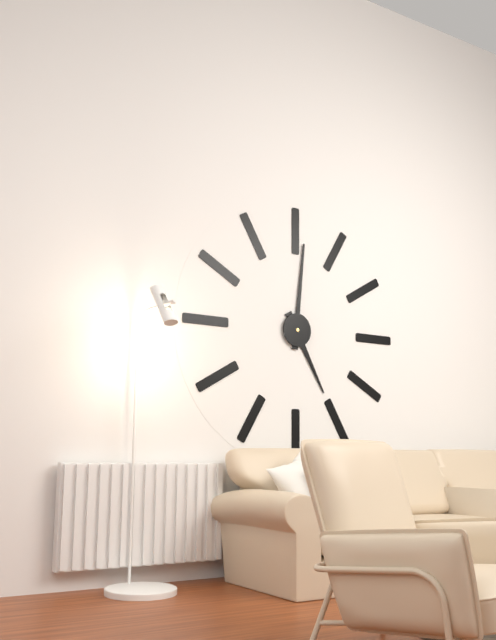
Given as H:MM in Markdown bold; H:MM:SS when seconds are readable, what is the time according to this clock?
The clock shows **5:01**
